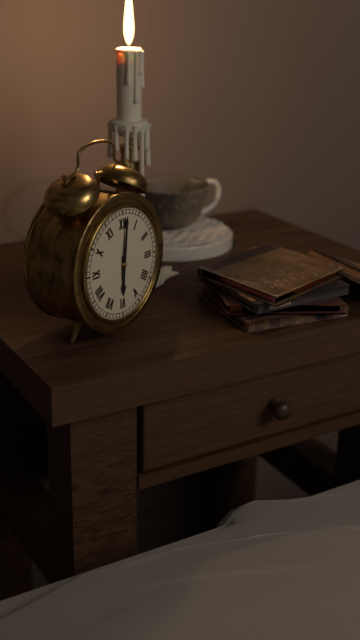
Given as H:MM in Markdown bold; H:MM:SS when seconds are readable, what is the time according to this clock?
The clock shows **6:01**
